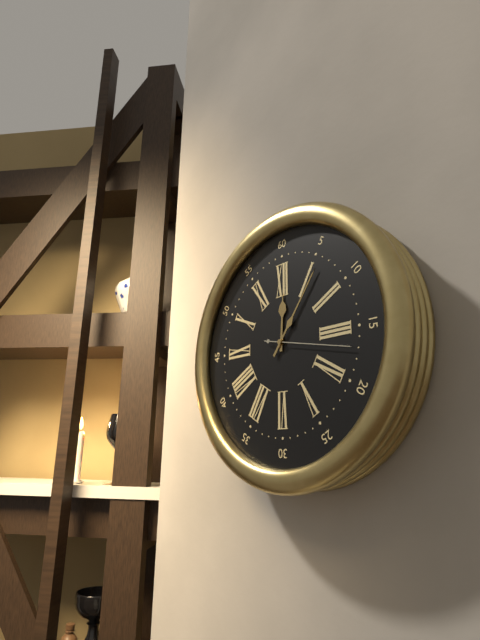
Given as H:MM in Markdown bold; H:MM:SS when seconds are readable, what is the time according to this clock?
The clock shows **12:06:17**
